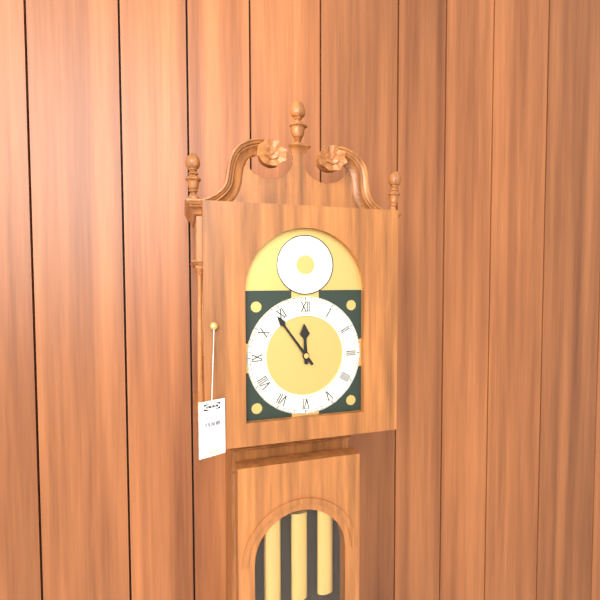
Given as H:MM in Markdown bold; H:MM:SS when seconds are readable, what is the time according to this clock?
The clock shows **11:54**
